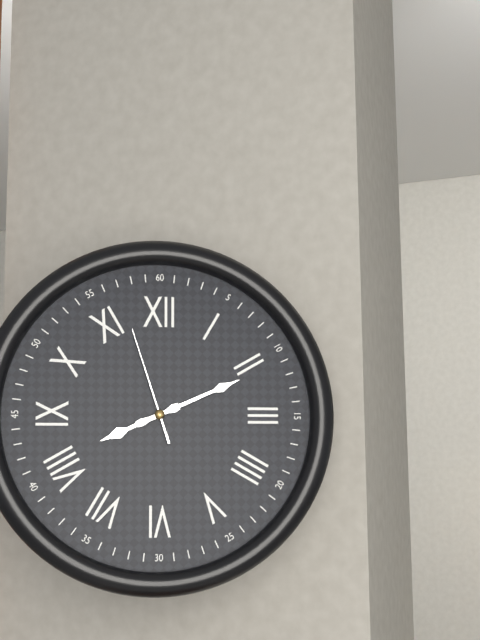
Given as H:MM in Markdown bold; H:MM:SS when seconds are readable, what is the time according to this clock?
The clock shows **8:11:57**
